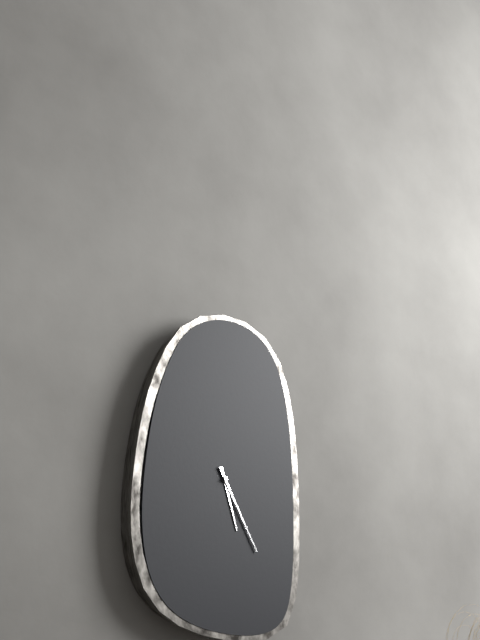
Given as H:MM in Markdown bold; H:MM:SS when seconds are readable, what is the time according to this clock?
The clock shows **5:25**
